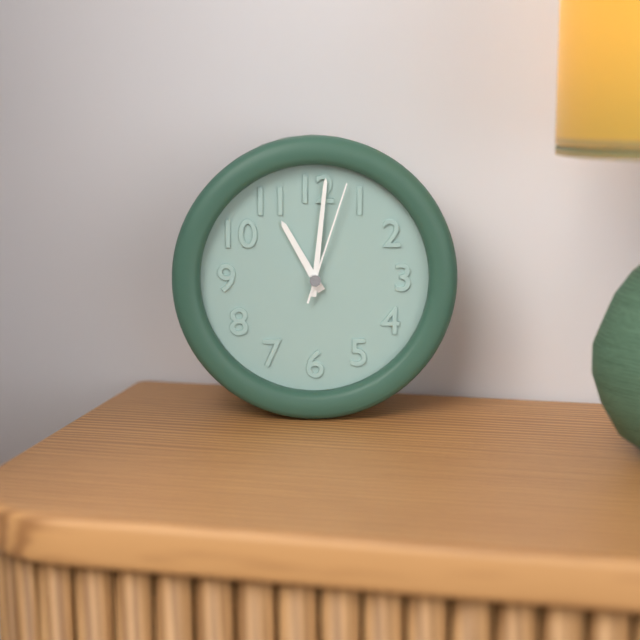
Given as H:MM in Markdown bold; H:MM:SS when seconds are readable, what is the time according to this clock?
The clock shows **11:01:03**
